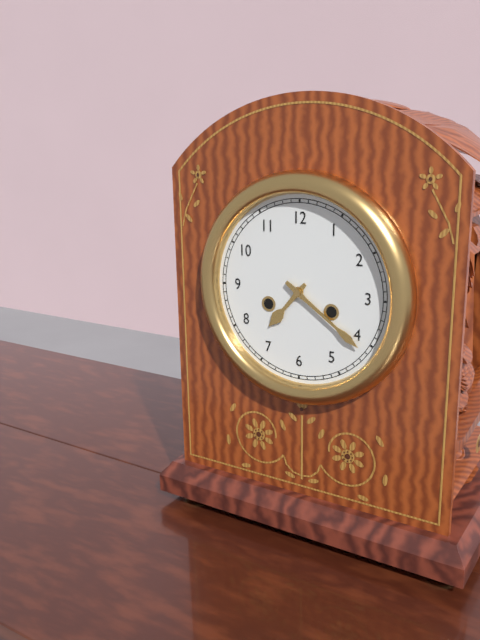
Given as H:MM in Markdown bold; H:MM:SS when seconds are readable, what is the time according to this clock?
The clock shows **7:21**
